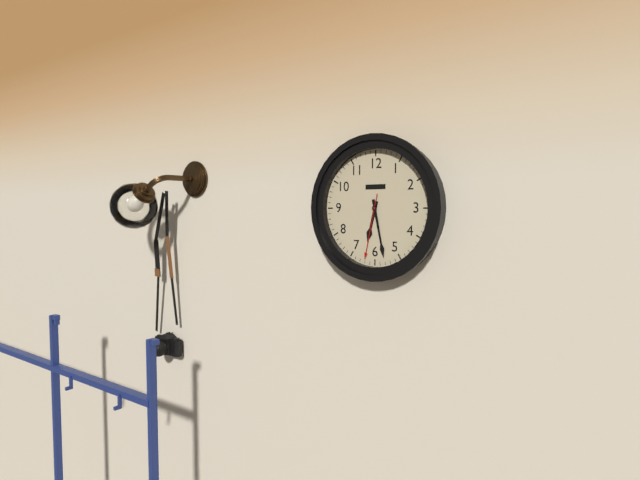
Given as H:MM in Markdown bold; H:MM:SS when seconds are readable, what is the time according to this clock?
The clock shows **6:28:32**
